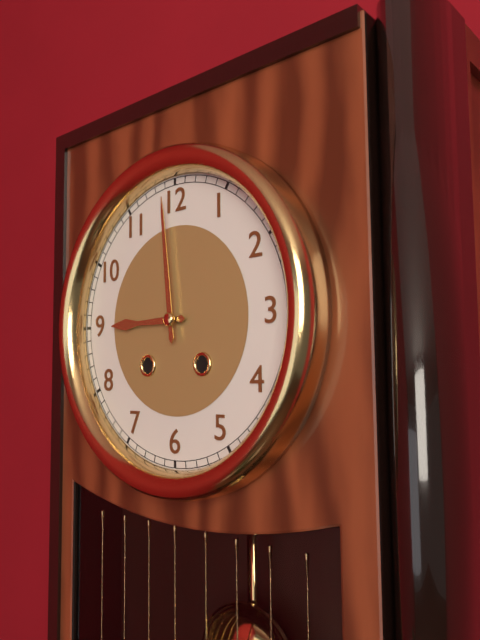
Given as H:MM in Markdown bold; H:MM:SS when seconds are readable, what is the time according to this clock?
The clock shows **8:59**
